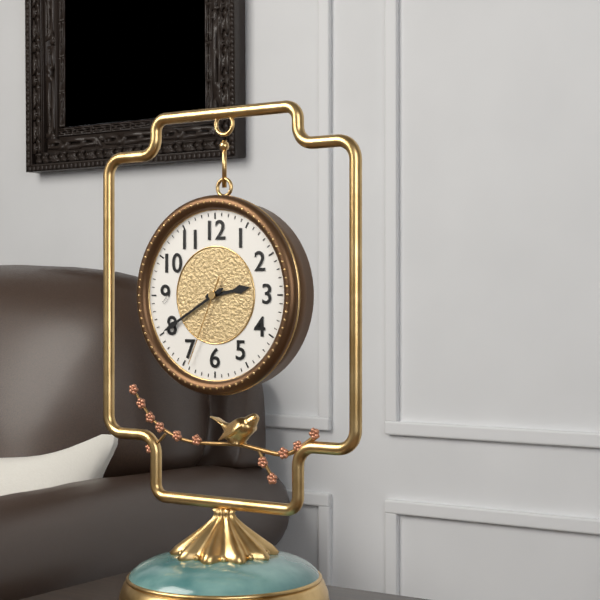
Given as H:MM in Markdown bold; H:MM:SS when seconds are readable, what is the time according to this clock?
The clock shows **2:40:34**
